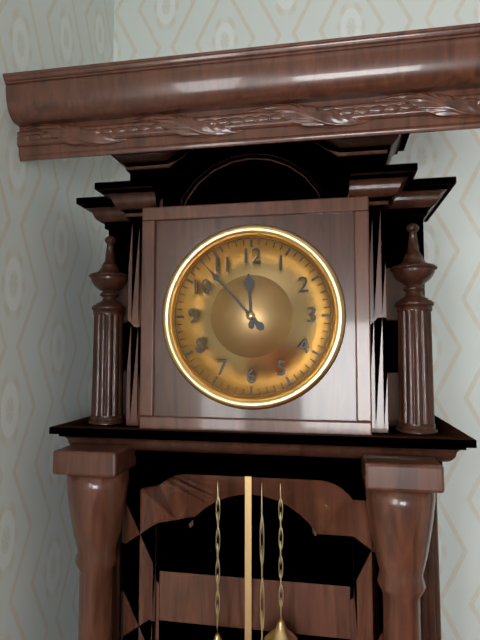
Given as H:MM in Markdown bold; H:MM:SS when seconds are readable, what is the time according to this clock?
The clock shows **11:53**
